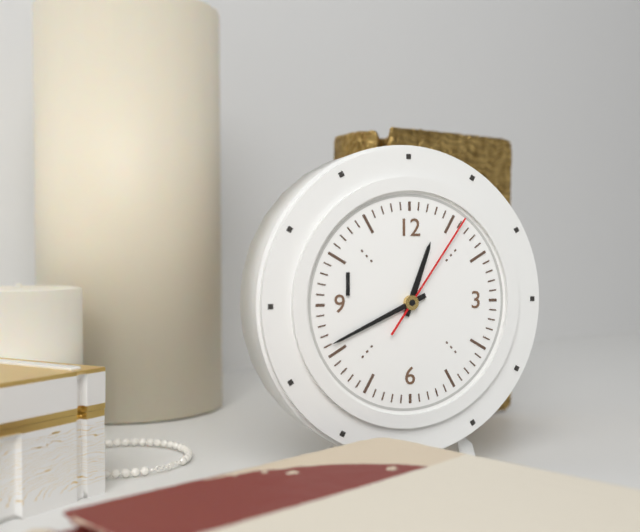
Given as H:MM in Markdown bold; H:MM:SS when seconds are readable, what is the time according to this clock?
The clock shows **12:41:06**
